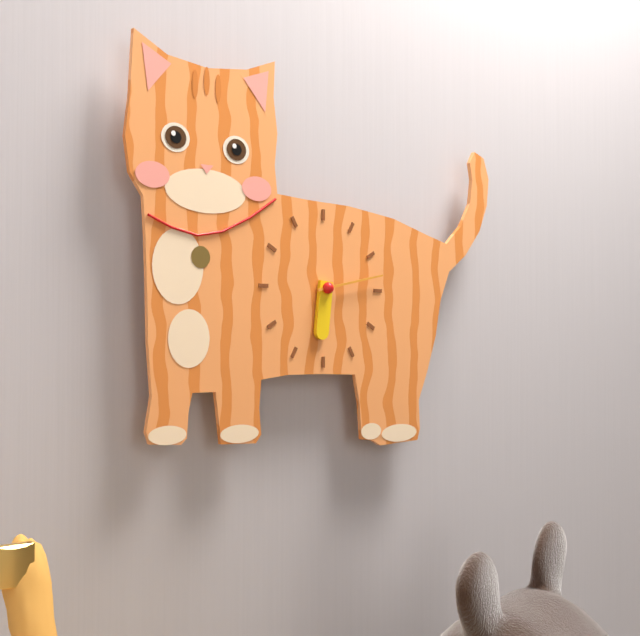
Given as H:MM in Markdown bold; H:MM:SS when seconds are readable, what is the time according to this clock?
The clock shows **6:13**
